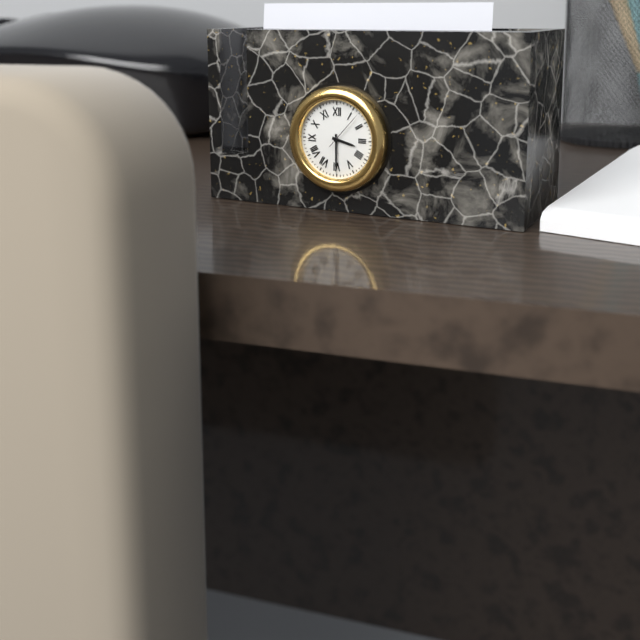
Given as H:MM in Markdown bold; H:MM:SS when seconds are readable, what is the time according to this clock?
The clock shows **3:30**
